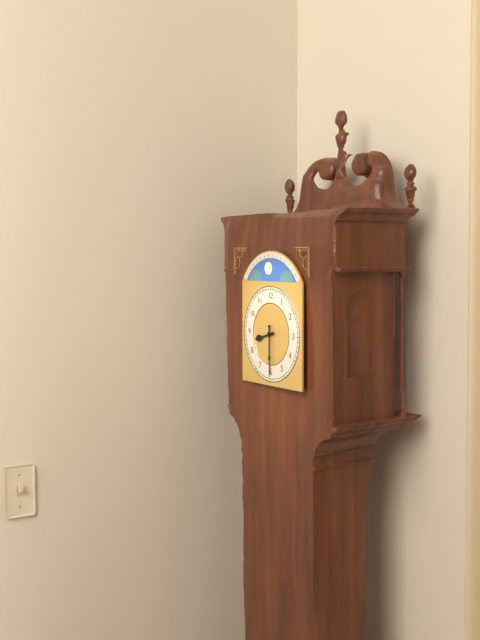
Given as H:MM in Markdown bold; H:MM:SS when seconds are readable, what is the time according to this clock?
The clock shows **8:30**
